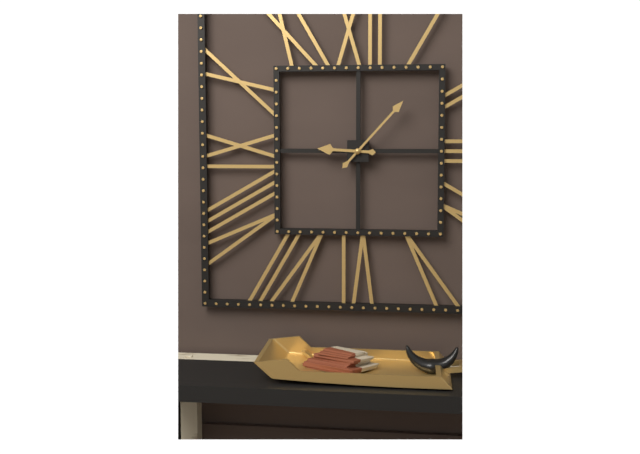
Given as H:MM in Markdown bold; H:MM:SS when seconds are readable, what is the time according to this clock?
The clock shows **9:07**
